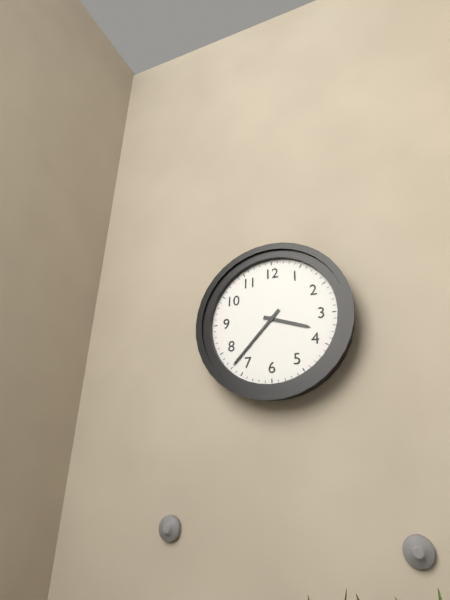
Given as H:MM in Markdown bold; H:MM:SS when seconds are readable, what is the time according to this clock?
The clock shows **3:37**
